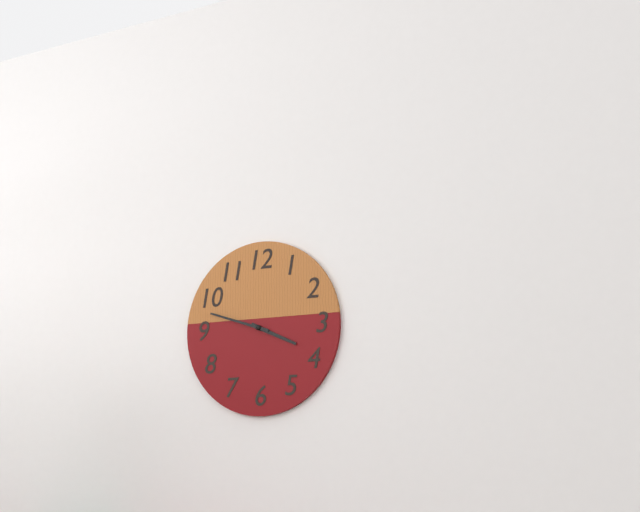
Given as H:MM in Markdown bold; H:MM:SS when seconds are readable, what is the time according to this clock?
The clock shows **3:48**
